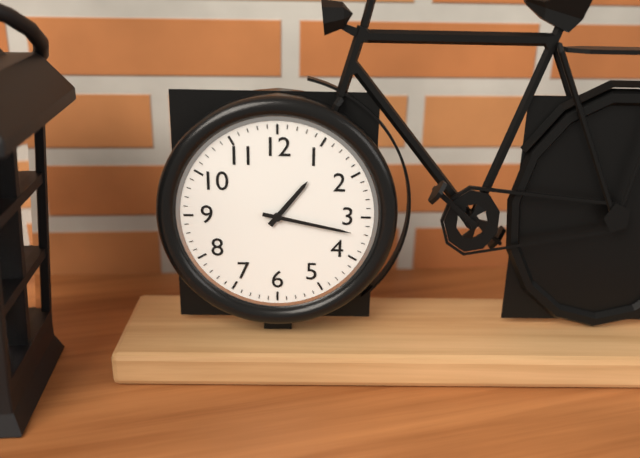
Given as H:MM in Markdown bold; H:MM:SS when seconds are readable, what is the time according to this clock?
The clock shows **1:17**
